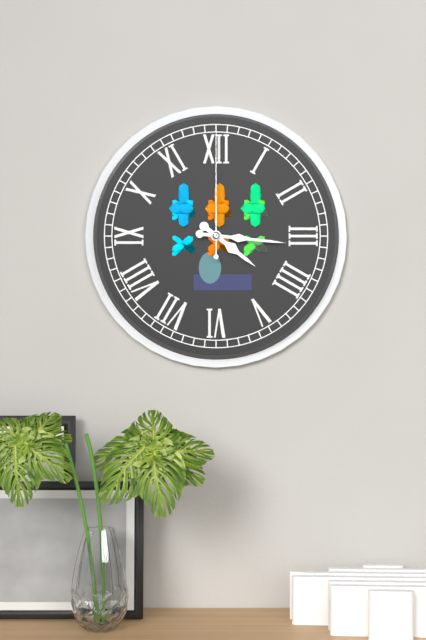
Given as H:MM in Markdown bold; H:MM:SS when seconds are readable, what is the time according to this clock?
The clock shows **4:16:00**
